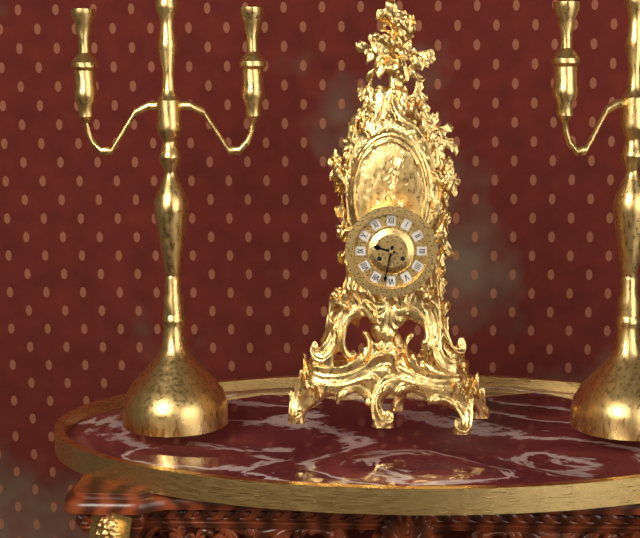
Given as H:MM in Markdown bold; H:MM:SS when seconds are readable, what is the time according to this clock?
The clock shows **9:32**
